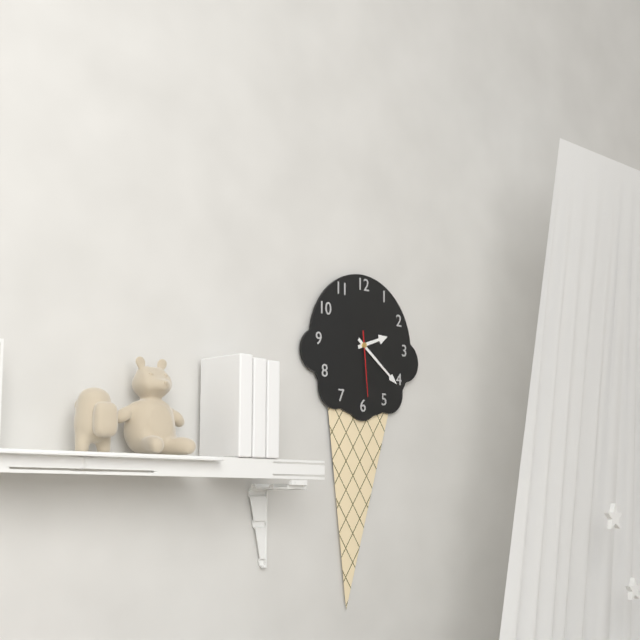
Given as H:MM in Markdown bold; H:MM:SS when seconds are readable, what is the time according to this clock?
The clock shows **2:21:29**
